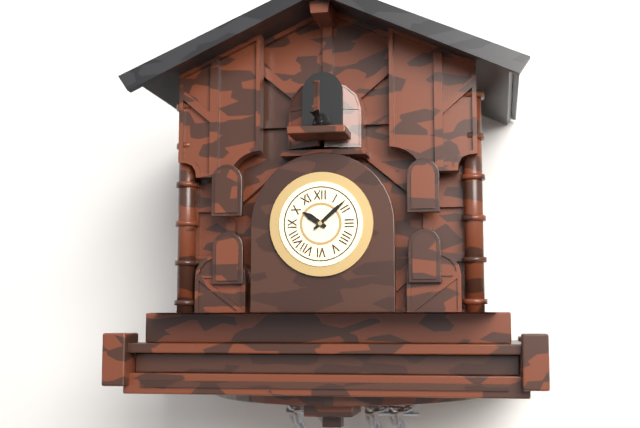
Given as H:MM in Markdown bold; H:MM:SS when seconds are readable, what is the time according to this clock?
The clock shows **10:08**
